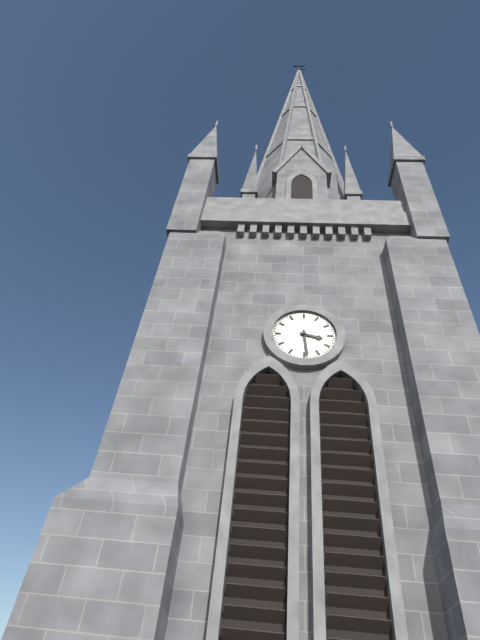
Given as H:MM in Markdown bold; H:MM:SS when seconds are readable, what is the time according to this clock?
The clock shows **3:29**
